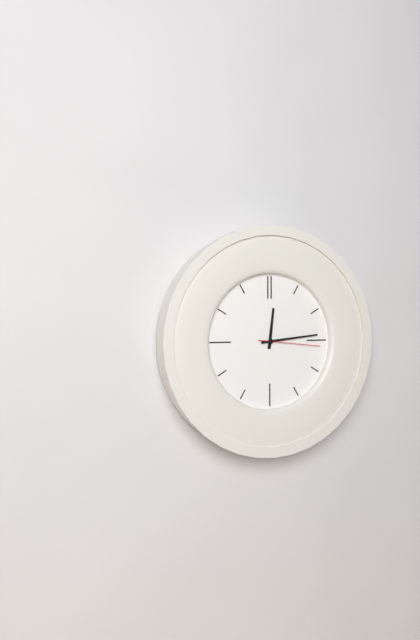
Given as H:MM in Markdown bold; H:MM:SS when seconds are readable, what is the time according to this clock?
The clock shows **12:14:16**
